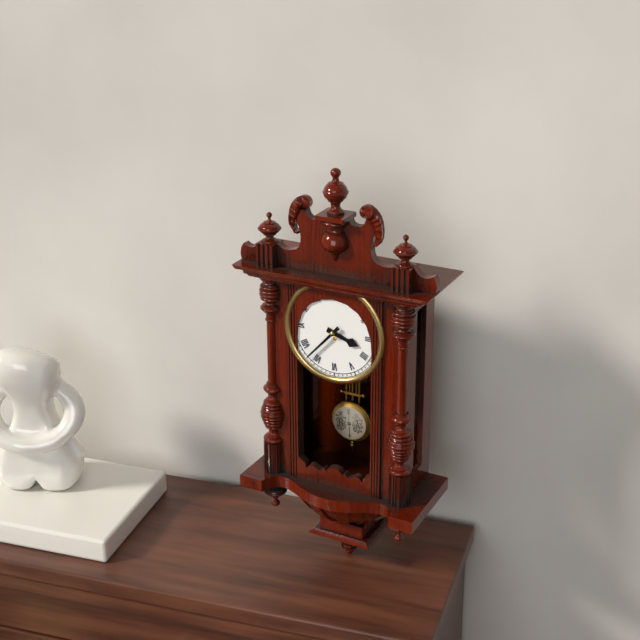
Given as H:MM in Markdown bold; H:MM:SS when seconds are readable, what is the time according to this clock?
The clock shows **3:37**
